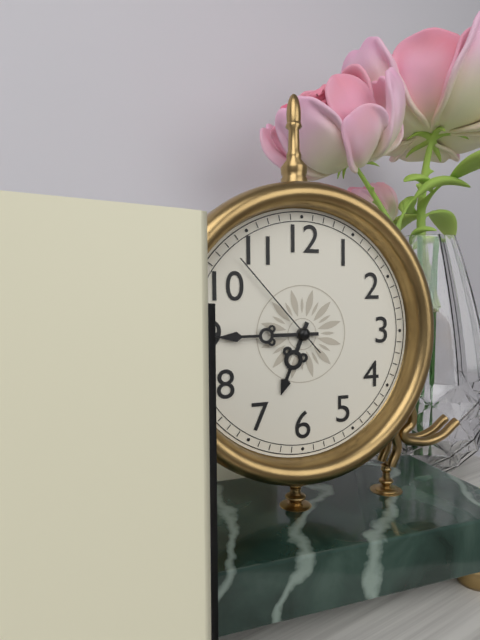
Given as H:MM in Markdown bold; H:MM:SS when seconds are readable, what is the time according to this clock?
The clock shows **6:45:53**
